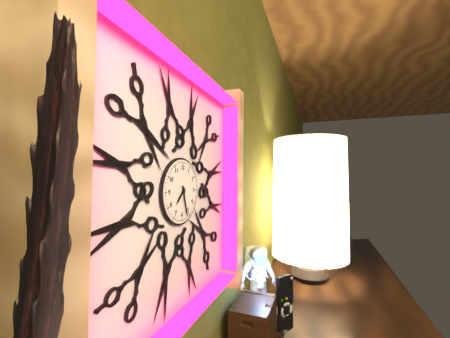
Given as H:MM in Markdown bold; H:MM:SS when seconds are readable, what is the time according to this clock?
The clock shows **7:27**
